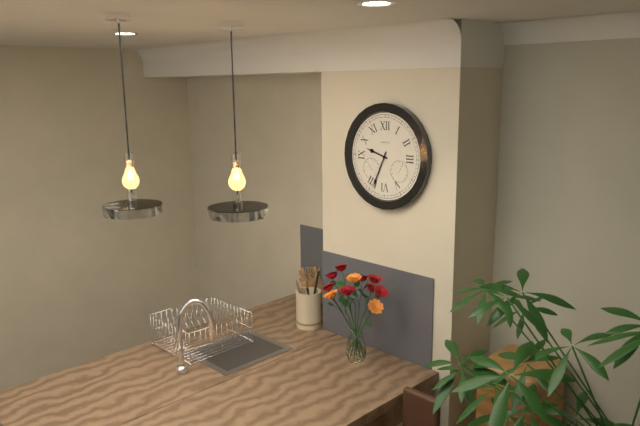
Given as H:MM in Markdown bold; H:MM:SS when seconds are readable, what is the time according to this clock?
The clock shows **9:34**
